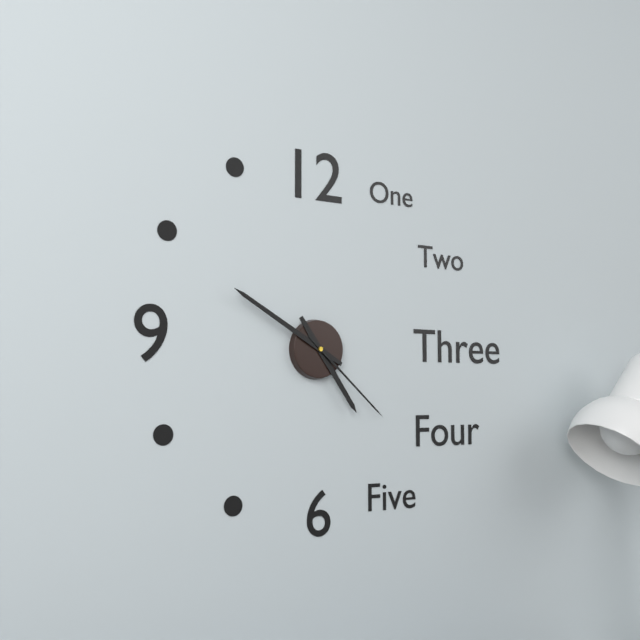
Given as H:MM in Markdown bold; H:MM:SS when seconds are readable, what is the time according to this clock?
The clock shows **4:50:22**
